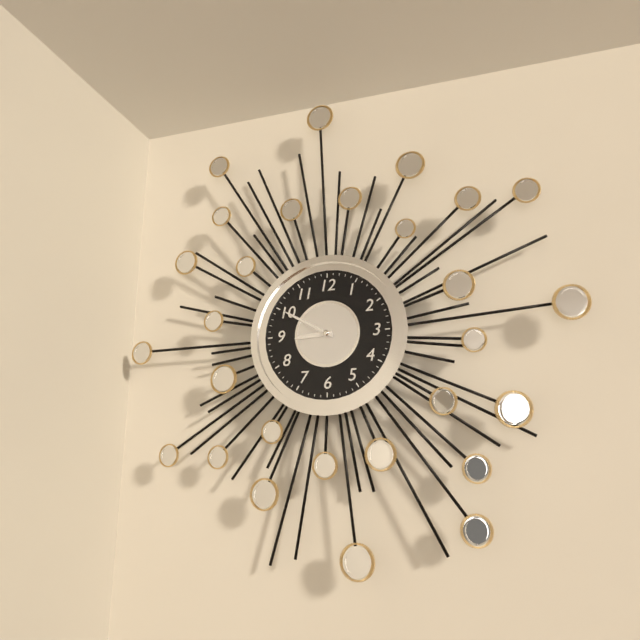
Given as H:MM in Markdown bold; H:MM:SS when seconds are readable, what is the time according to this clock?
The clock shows **8:50**
